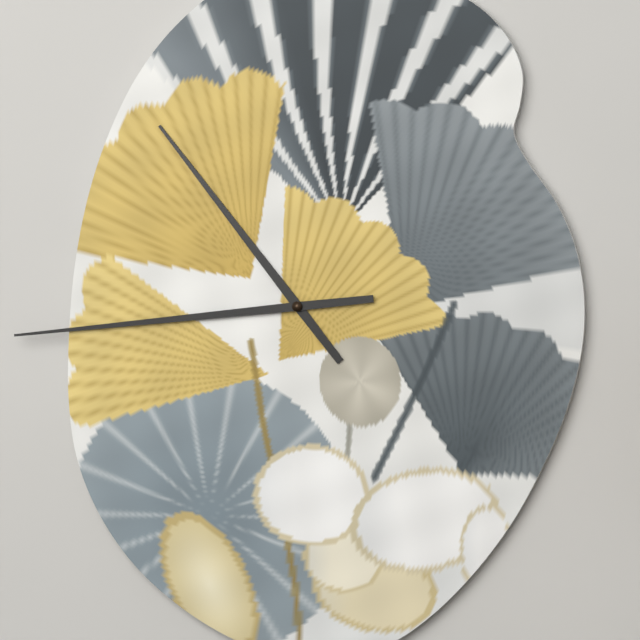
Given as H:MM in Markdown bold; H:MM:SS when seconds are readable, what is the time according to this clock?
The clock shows **10:44**
